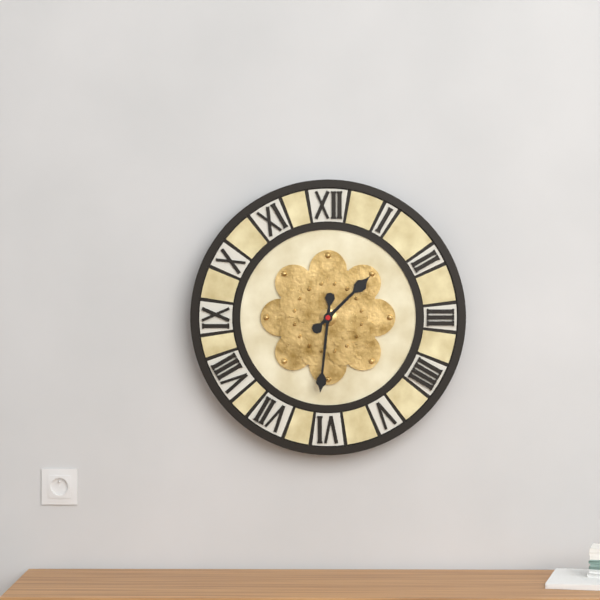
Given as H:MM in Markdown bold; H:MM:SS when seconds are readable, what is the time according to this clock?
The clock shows **1:31**
